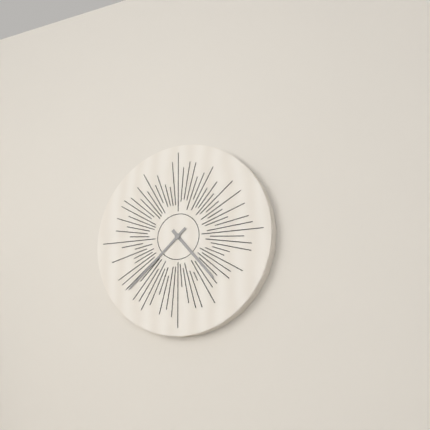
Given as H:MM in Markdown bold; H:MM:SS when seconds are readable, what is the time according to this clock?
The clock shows **4:38**
